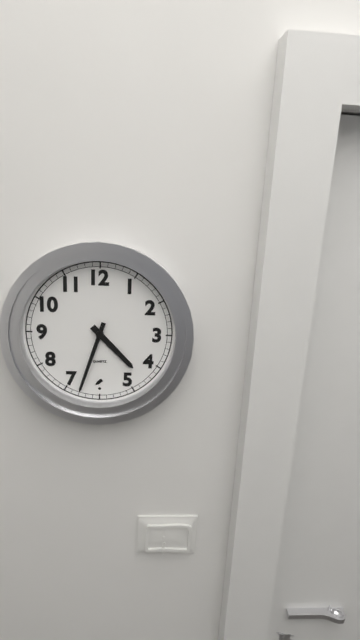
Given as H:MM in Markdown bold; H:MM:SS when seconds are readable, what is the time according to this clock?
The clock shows **4:33**
